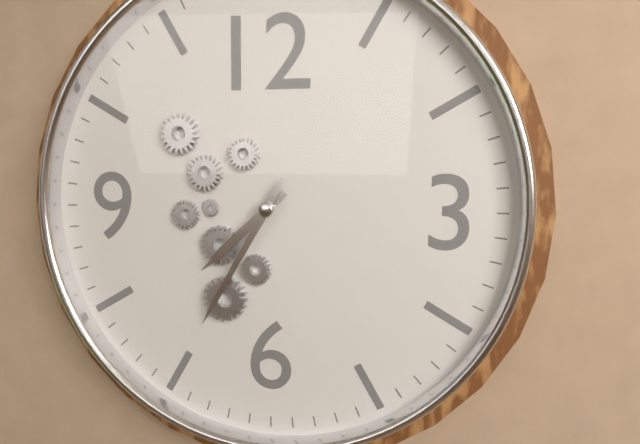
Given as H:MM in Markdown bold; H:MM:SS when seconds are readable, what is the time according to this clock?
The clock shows **7:35**
